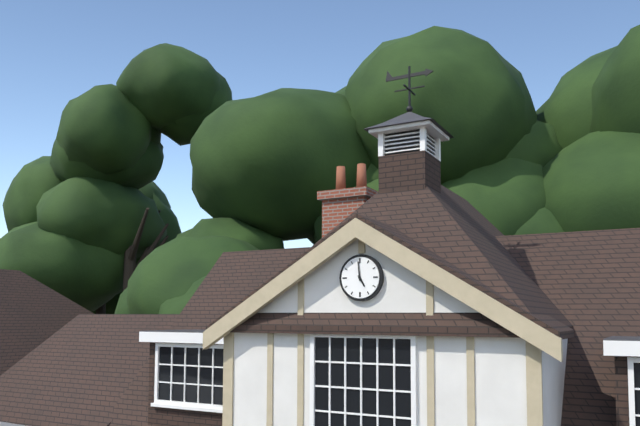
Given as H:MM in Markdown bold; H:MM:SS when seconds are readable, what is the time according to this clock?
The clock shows **4:59**
